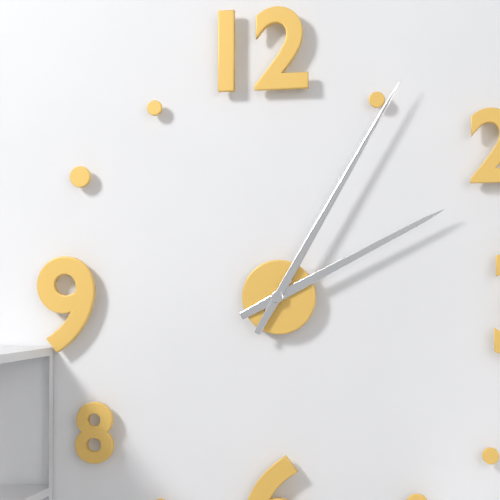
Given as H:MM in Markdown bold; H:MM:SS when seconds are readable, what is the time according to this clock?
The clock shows **2:05**
